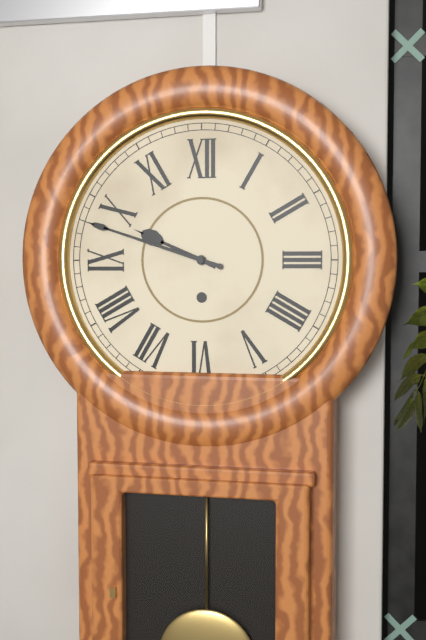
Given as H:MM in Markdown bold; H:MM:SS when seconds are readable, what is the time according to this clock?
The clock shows **9:48**
